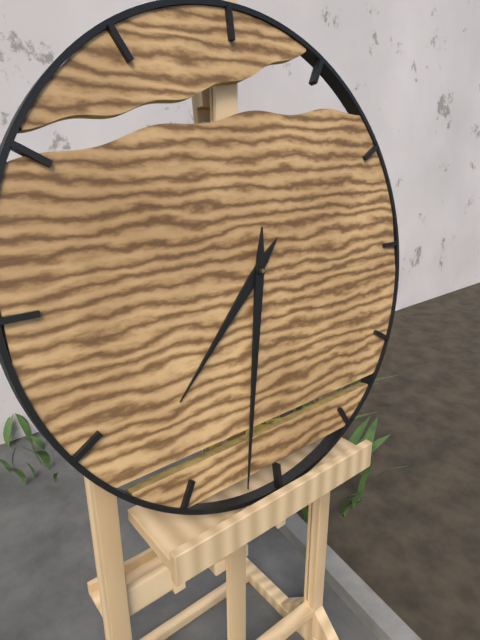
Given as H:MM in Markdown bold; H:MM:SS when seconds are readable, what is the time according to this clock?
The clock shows **7:32**
